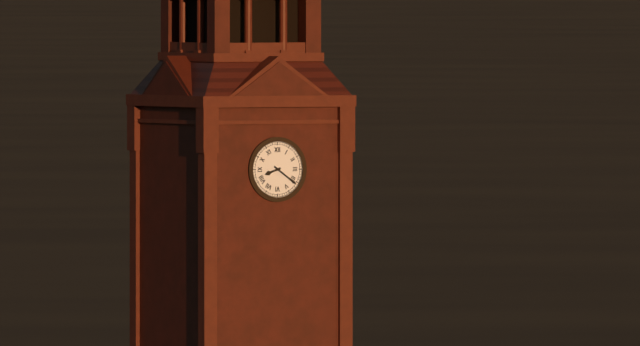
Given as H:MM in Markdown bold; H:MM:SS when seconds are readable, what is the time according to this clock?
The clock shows **8:21**
